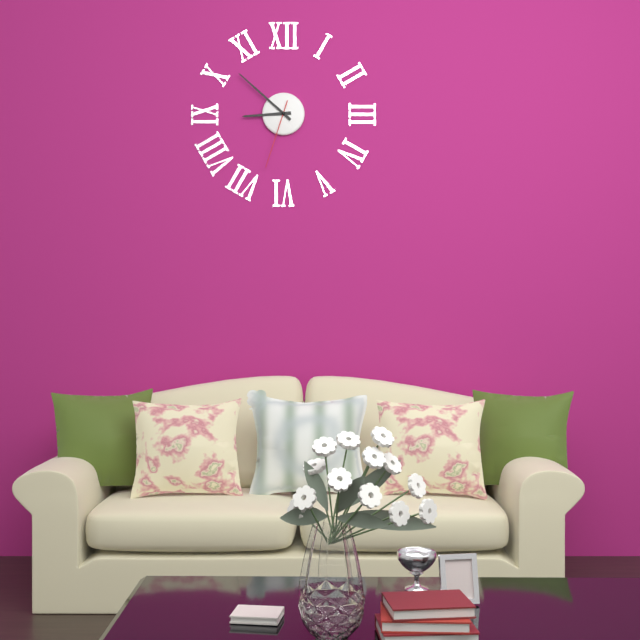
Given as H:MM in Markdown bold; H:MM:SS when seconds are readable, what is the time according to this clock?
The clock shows **8:52:33**
